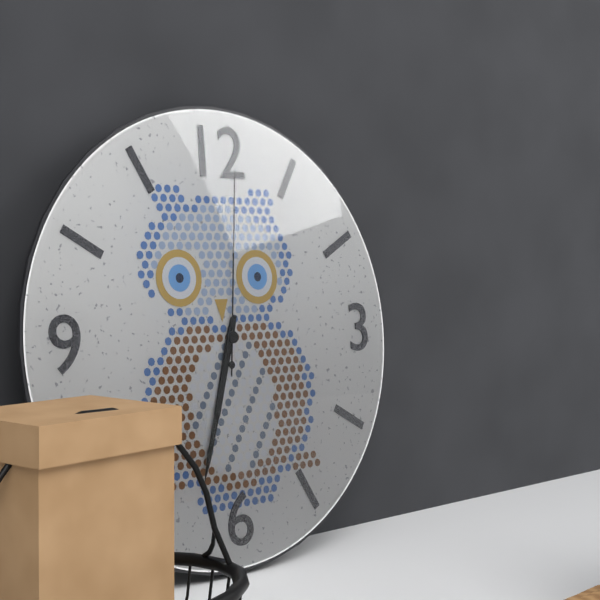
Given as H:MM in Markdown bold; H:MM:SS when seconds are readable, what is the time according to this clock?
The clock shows **6:33:01**
